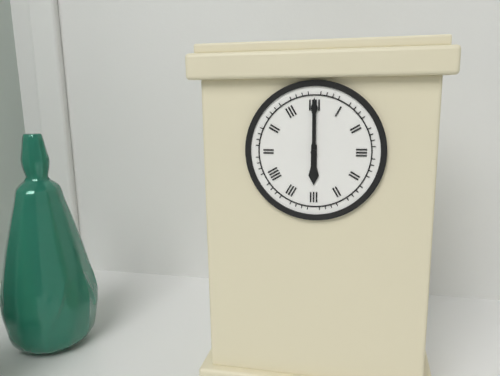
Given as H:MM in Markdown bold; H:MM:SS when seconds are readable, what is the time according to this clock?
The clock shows **6:00**
